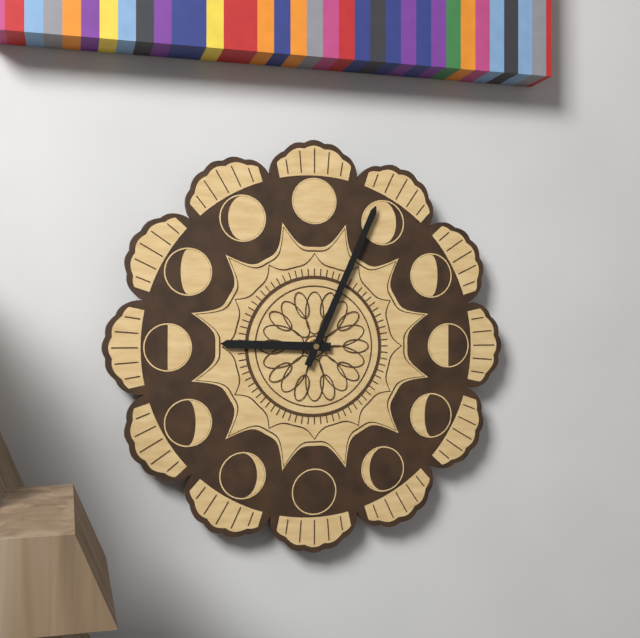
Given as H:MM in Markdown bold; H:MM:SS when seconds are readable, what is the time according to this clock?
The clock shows **9:04**
